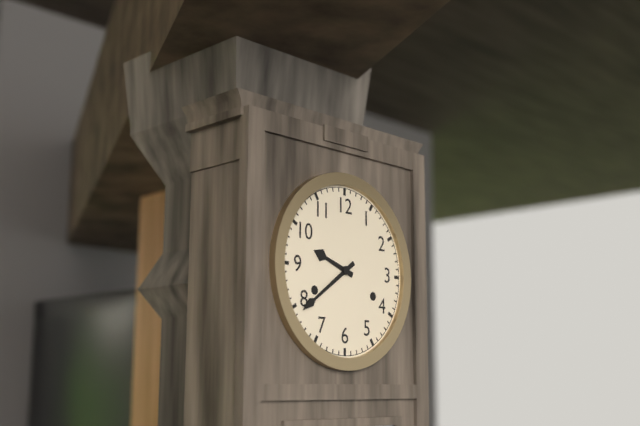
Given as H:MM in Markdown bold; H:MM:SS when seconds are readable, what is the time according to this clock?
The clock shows **9:39**
